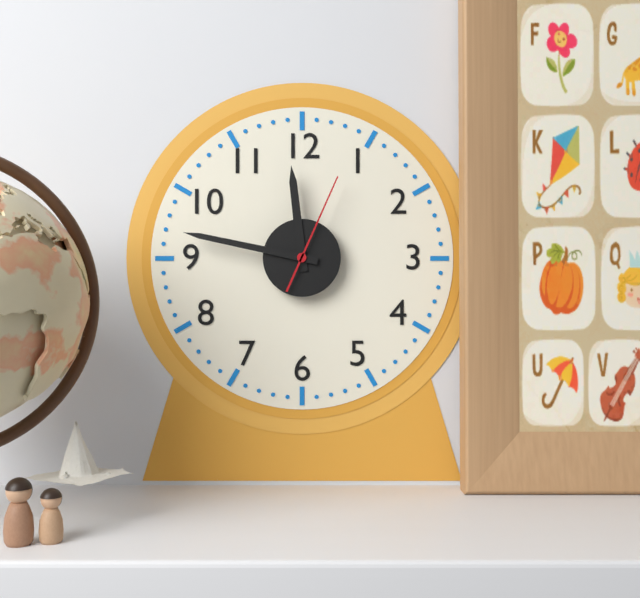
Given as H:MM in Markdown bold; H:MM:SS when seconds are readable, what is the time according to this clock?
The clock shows **11:47:04**
